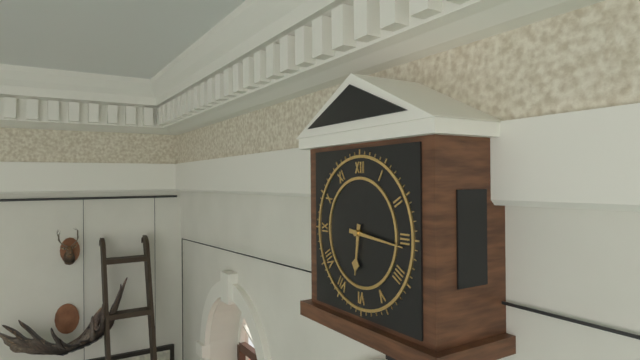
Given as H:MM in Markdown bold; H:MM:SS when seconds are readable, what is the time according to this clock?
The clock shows **6:16**
